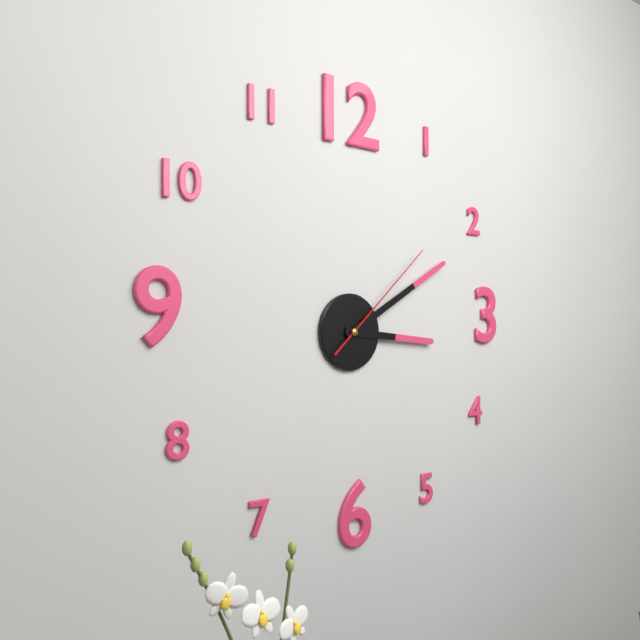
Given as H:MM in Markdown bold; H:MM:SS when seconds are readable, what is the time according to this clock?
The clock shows **3:10:08**
